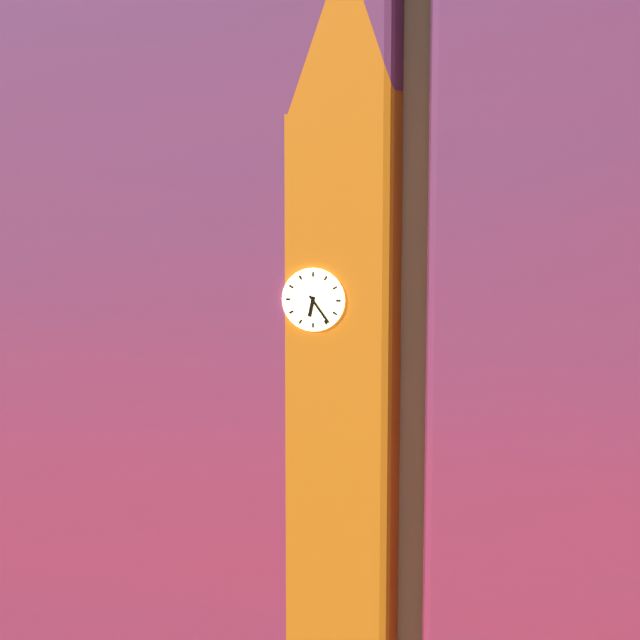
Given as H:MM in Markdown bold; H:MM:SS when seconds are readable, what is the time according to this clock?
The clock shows **6:24**
